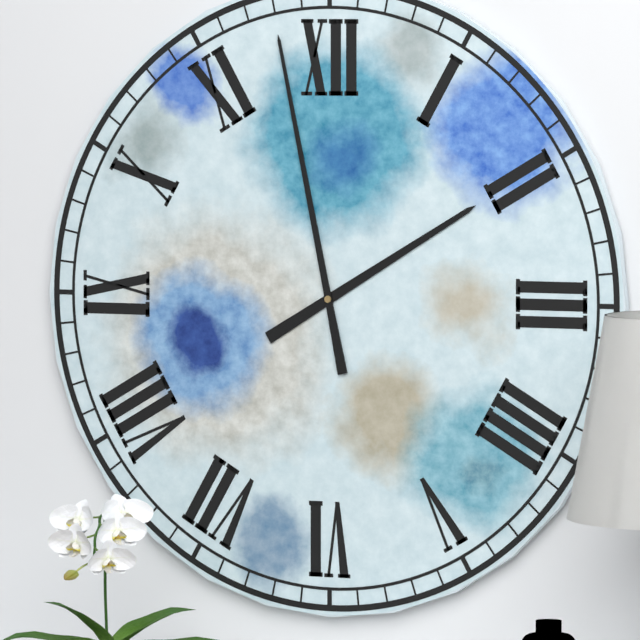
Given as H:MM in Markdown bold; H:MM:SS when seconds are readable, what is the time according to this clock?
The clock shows **1:58**
